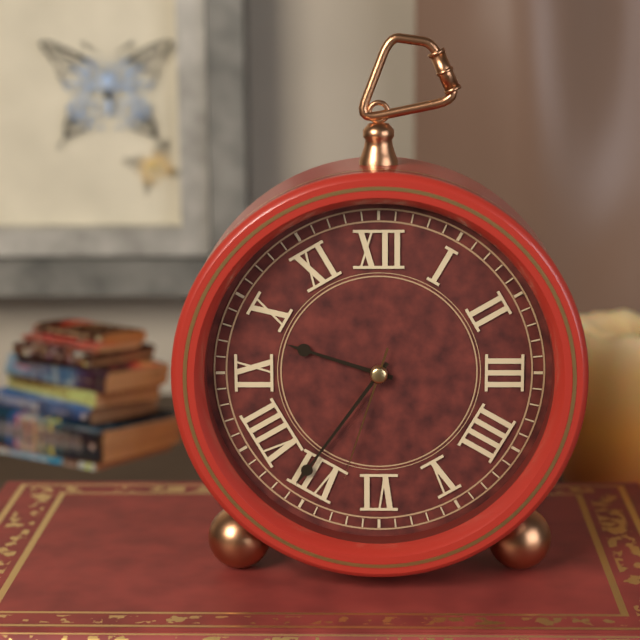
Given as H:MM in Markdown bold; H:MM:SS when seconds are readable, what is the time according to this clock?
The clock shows **9:36:33**
